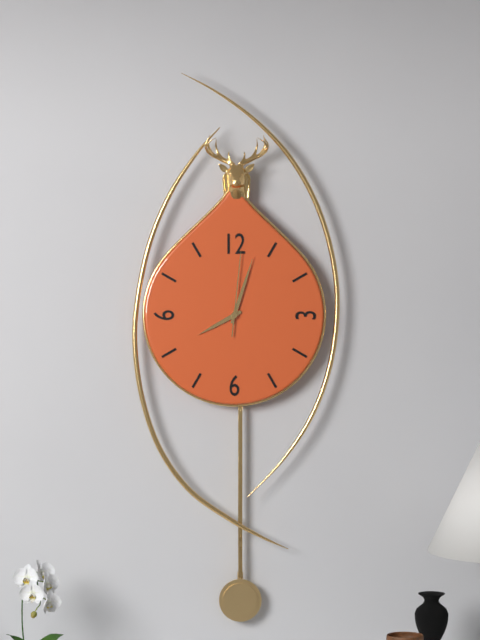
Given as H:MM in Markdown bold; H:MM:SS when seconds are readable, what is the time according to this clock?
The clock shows **8:03:01**
